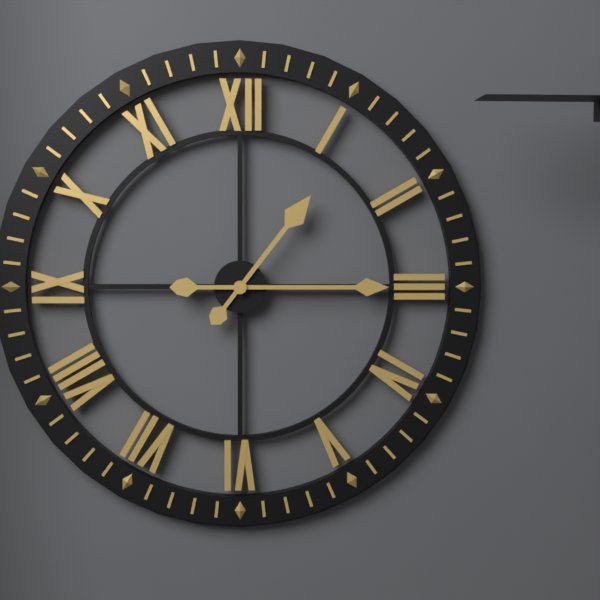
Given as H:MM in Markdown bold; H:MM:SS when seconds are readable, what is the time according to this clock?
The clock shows **1:15**
